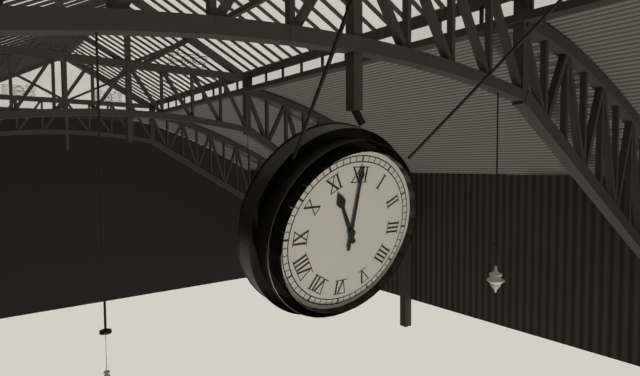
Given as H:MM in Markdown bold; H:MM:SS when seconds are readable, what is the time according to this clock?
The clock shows **11:00**
